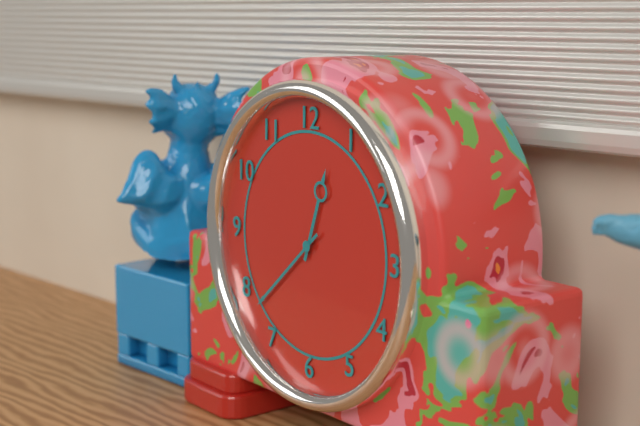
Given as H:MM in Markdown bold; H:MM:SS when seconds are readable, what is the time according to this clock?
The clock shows **12:38**
